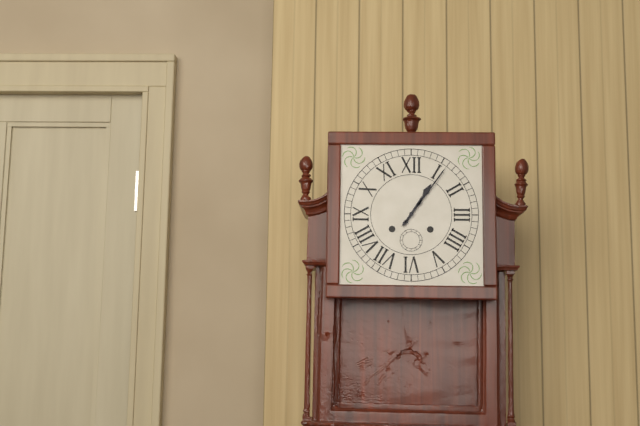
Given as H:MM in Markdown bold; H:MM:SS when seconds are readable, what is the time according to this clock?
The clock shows **1:06**
